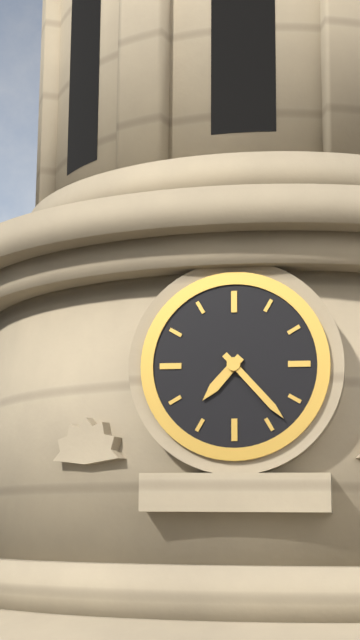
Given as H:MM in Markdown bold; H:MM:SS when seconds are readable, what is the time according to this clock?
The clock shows **7:23**
